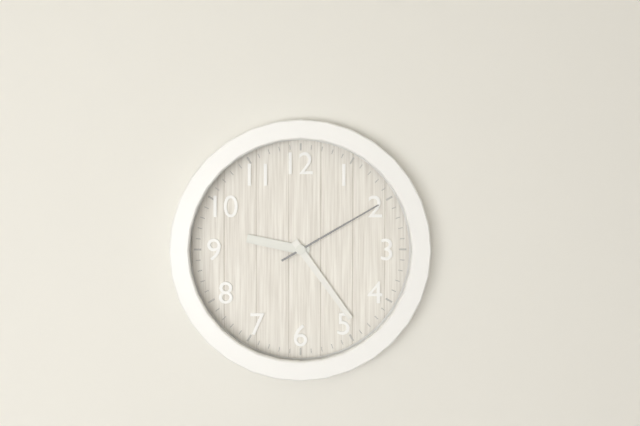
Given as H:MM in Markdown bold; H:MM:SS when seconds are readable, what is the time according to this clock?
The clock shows **9:24:10**
